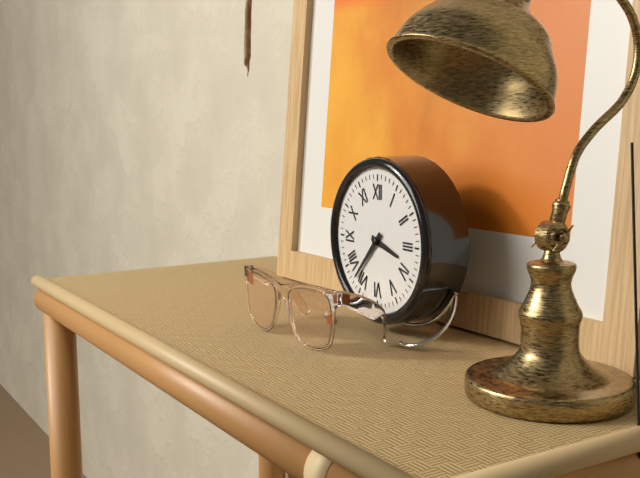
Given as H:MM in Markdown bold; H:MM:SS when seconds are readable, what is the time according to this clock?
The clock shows **3:37**
